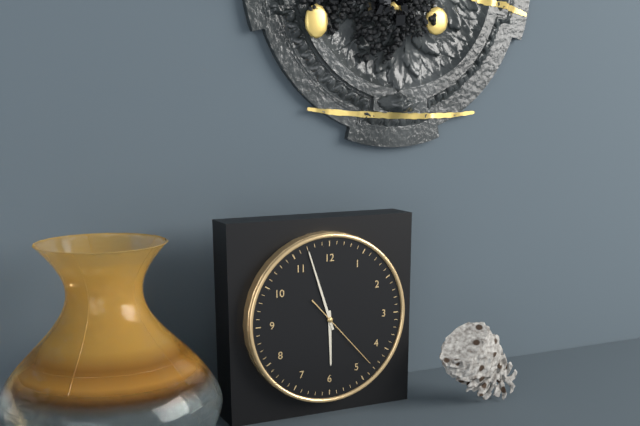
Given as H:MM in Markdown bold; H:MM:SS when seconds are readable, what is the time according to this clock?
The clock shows **5:57:23**
